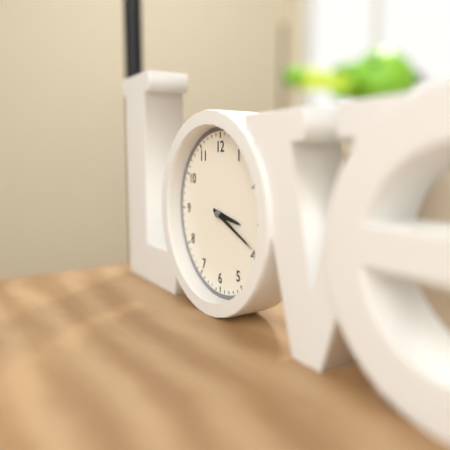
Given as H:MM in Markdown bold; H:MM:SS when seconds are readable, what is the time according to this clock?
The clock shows **3:19**
